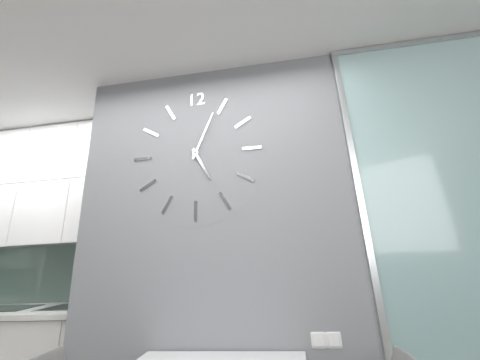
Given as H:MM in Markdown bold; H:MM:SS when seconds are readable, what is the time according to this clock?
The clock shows **5:04**
